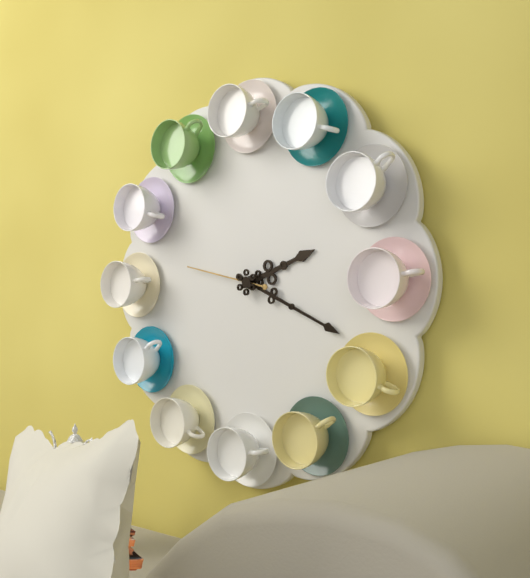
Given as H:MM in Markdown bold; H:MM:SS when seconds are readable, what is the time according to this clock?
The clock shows **2:19:47**
